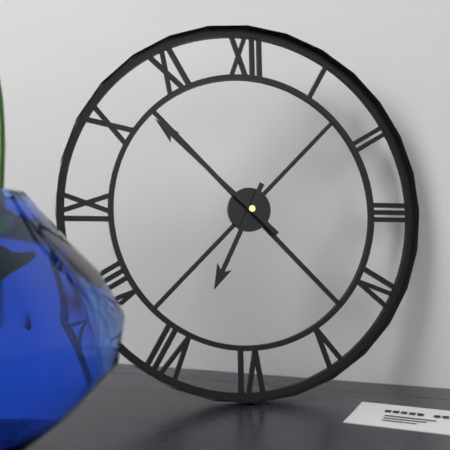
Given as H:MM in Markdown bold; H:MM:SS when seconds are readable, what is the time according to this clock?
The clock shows **6:52**
